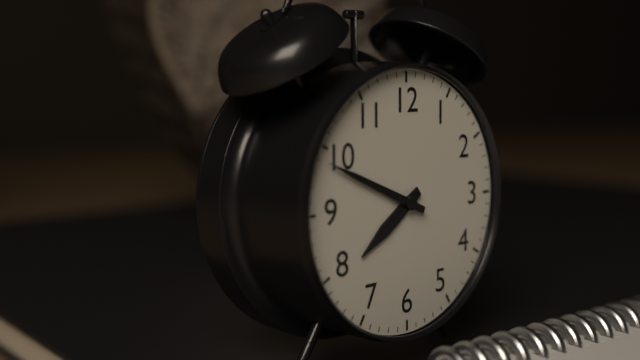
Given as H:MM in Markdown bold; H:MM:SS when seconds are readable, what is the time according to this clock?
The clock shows **7:49**
